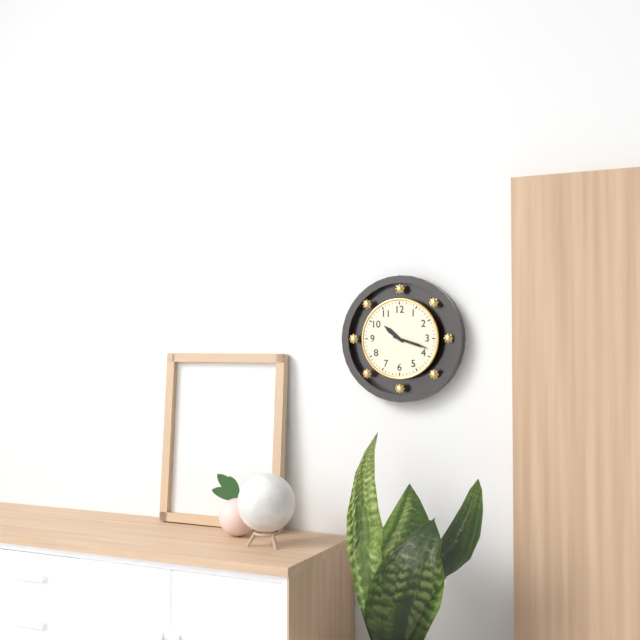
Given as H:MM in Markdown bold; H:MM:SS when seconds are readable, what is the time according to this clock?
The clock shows **10:18**
